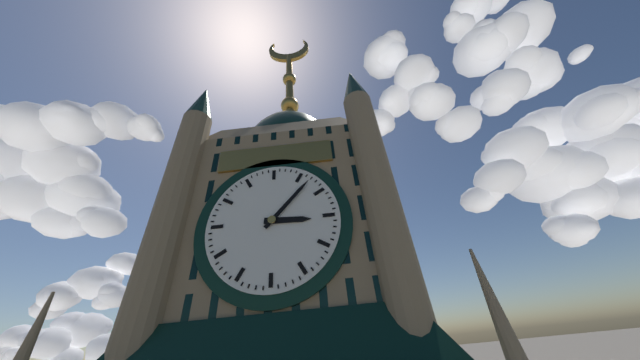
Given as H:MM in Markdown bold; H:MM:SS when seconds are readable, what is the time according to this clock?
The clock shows **3:07**
